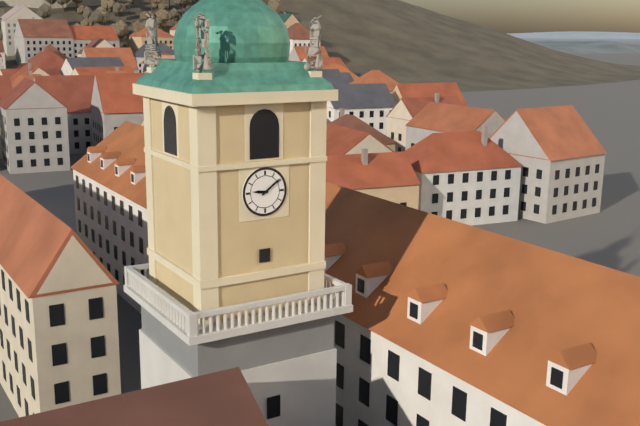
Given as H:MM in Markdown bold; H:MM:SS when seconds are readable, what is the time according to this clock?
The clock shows **9:09**
